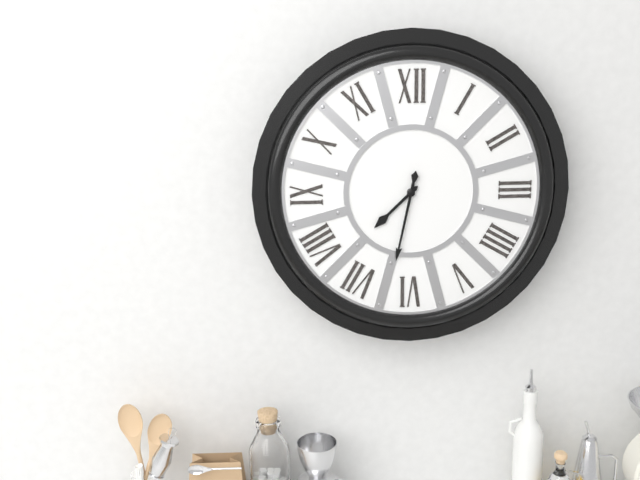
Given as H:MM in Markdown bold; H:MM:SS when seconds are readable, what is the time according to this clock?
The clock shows **7:32**
